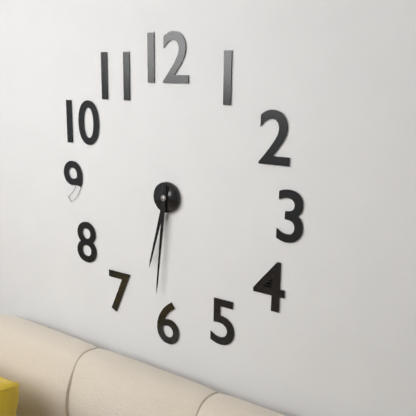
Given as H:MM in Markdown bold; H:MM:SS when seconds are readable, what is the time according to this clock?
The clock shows **6:31**
